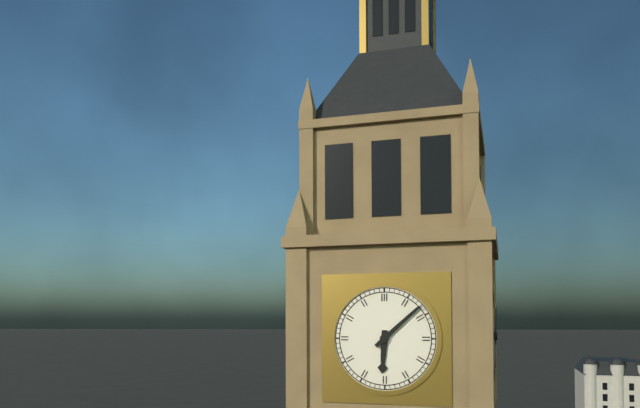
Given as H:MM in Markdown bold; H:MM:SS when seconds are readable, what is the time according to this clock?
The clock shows **6:08**
